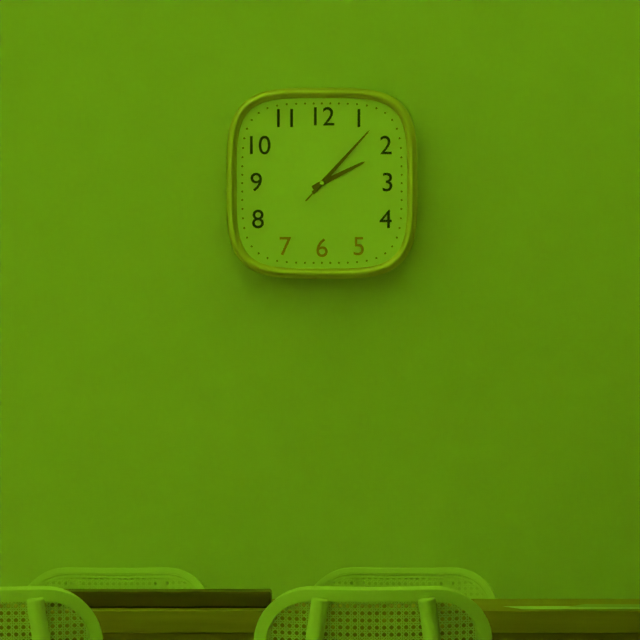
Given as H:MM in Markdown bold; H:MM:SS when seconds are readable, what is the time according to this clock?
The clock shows **2:07:07**
